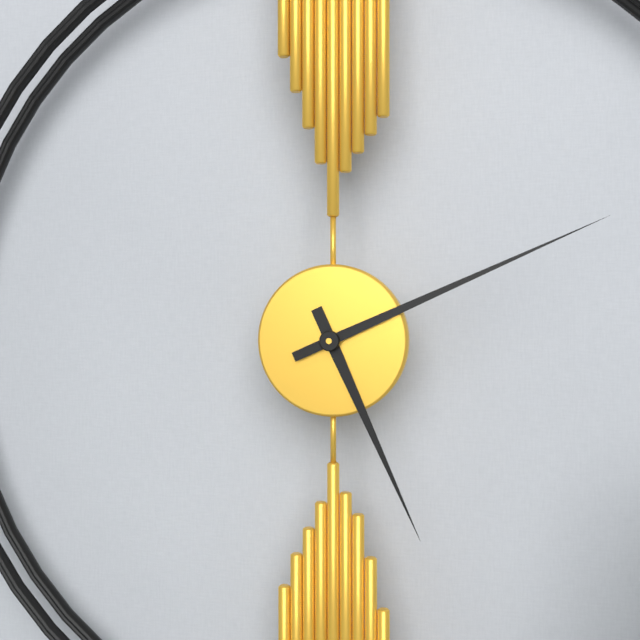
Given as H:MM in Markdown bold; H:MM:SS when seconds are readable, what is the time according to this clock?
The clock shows **5:11**
